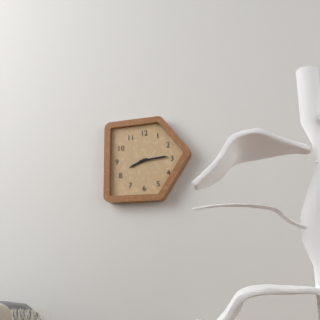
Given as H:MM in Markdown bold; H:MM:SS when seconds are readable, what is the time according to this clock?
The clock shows **8:14**
